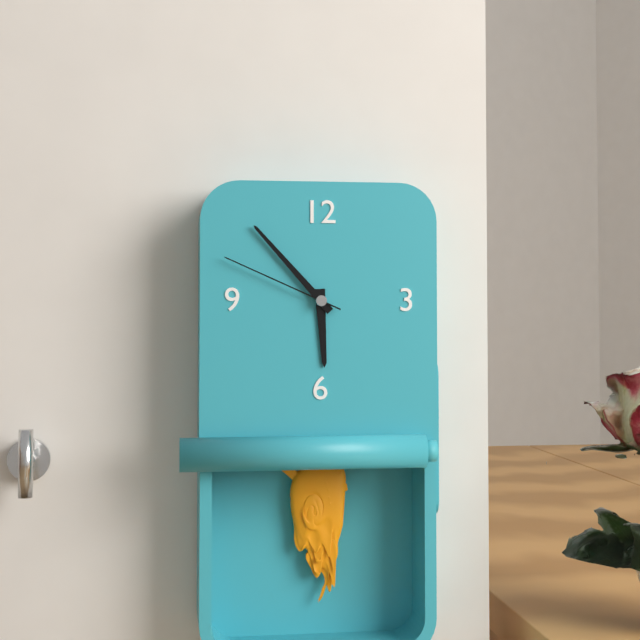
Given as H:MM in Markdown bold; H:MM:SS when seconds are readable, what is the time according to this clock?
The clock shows **5:53:49**
